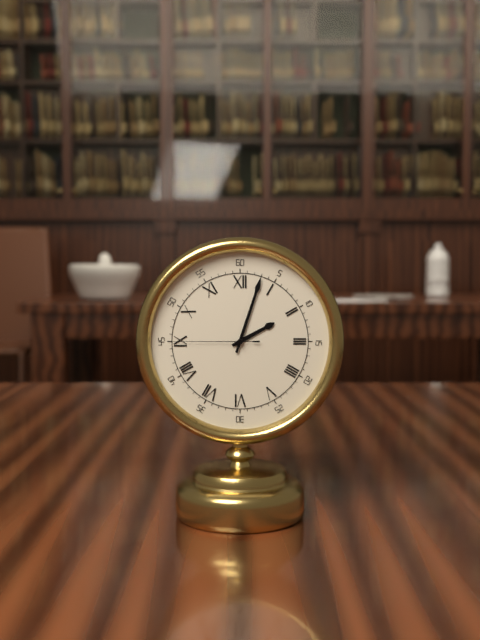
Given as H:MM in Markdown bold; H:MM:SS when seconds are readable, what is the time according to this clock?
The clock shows **2:03:45**
